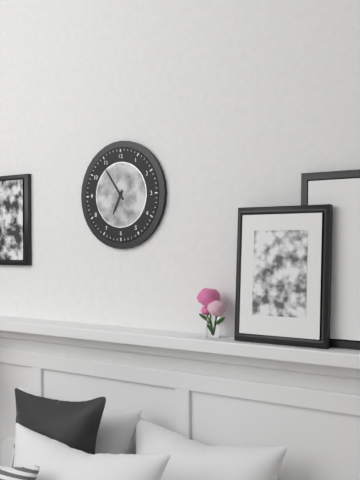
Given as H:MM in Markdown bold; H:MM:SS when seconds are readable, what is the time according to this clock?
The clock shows **6:54**
